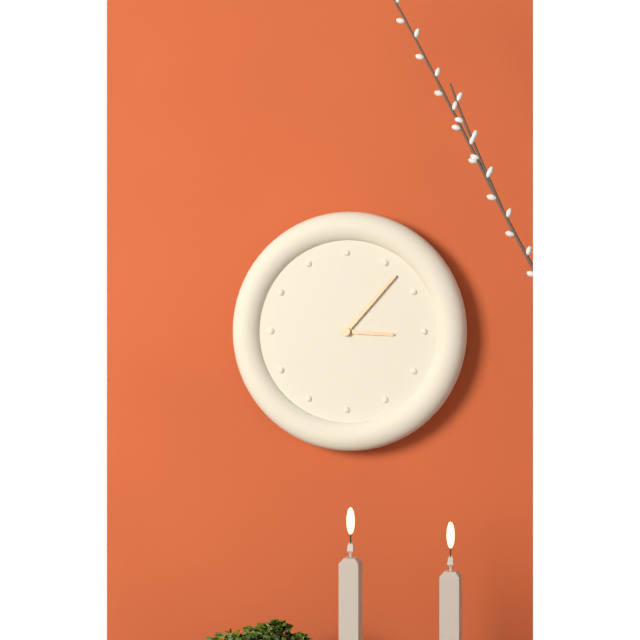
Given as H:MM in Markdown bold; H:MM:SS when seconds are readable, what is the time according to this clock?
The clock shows **3:07**
